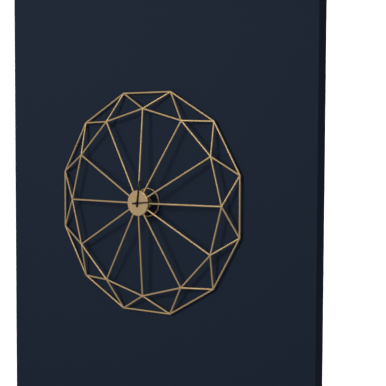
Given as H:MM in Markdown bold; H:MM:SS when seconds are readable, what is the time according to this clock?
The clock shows **12:14**
